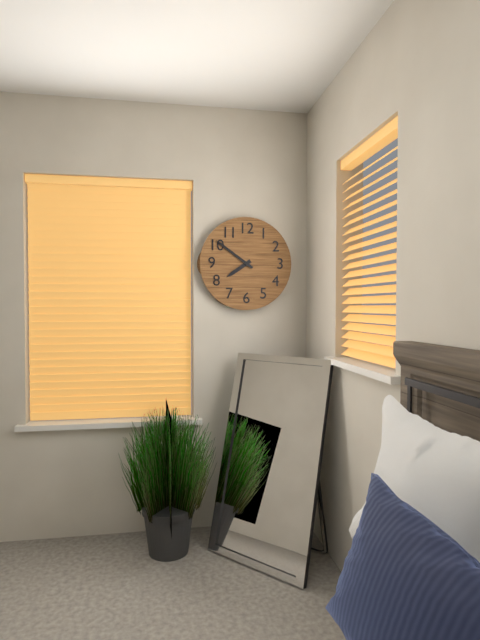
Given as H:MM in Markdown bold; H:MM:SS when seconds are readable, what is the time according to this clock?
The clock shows **7:51**
